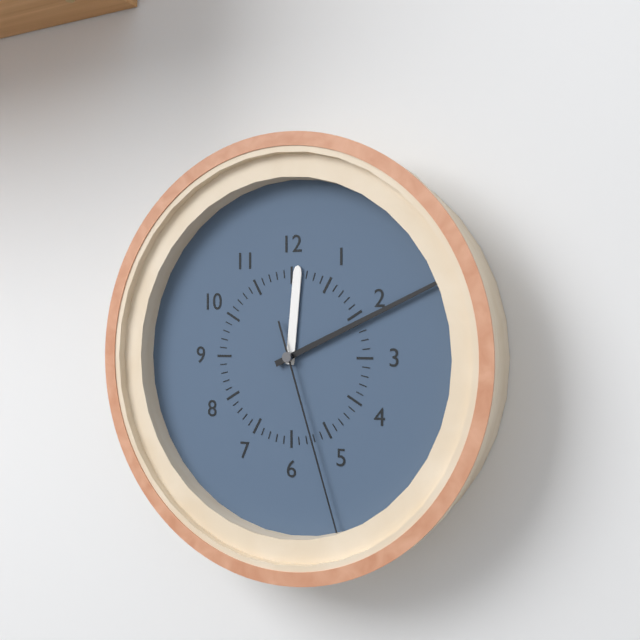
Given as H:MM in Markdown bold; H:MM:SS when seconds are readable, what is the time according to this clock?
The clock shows **12:11:27**
